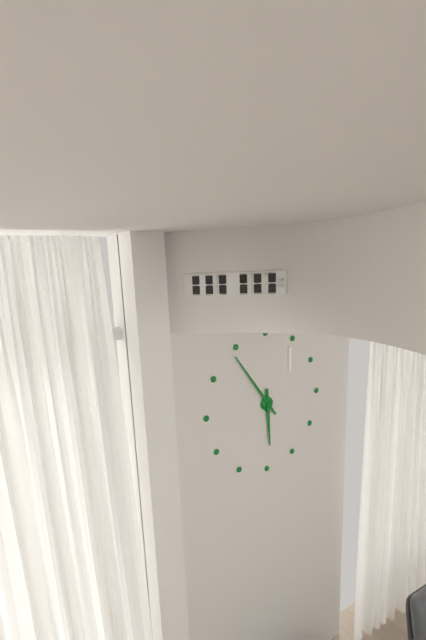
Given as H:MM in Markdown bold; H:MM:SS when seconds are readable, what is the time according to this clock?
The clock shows **5:54**
